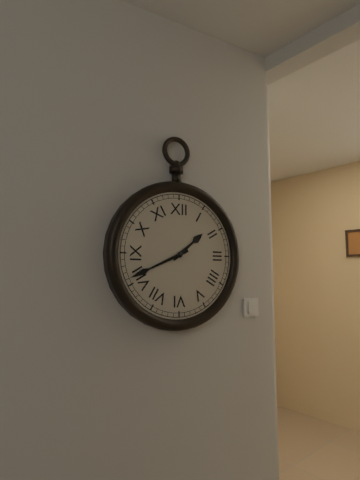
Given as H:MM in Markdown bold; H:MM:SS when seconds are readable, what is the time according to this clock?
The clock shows **1:41**
